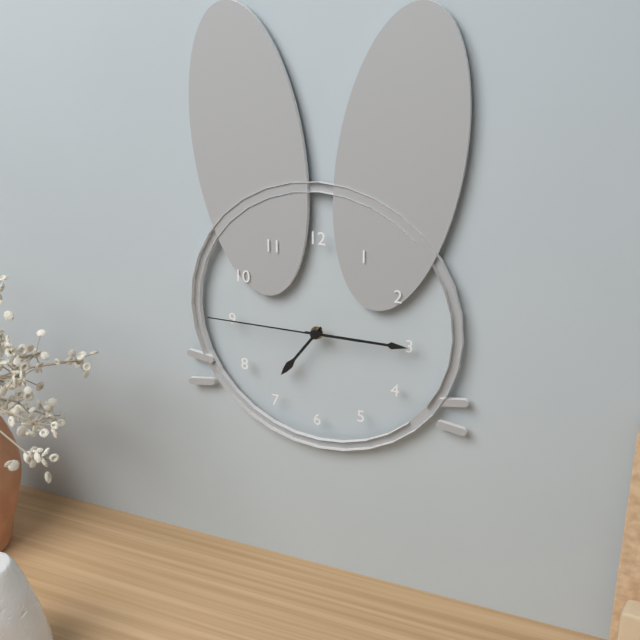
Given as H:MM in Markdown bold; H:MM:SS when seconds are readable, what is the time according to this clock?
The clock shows **7:15:45**
